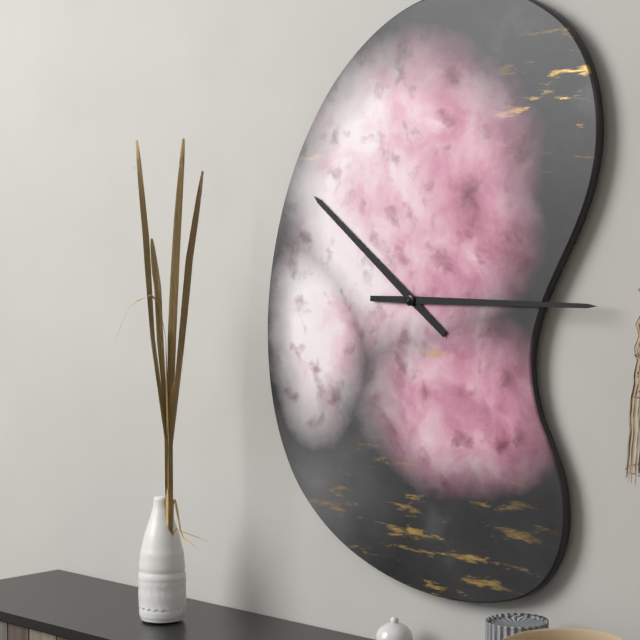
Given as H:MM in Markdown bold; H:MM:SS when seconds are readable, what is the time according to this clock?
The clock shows **10:15**
